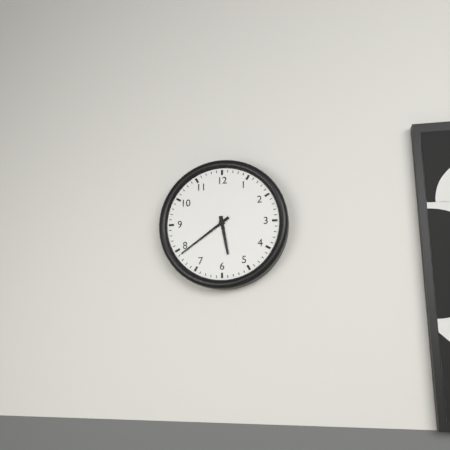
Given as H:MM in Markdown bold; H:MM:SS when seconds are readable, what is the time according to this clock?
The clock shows **5:39**
